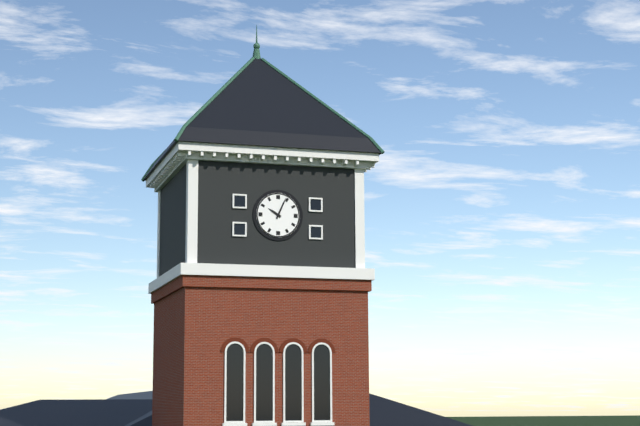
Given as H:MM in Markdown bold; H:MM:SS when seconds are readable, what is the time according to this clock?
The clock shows **10:04**
